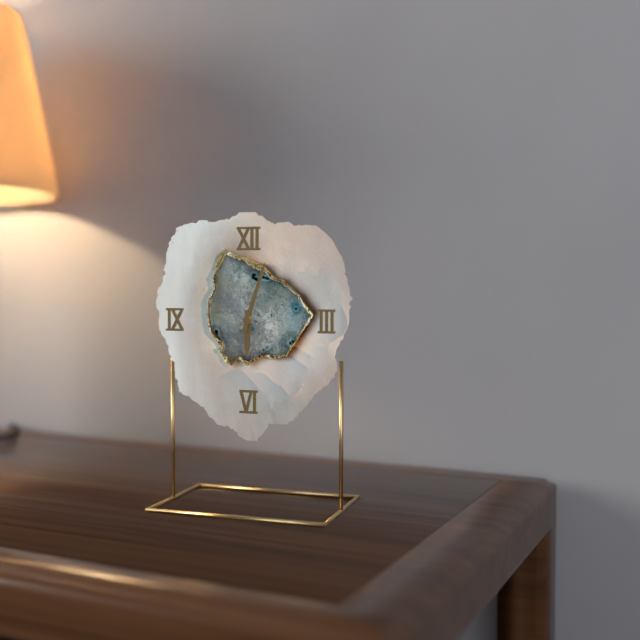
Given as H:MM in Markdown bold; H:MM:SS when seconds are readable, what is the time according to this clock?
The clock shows **6:03**
